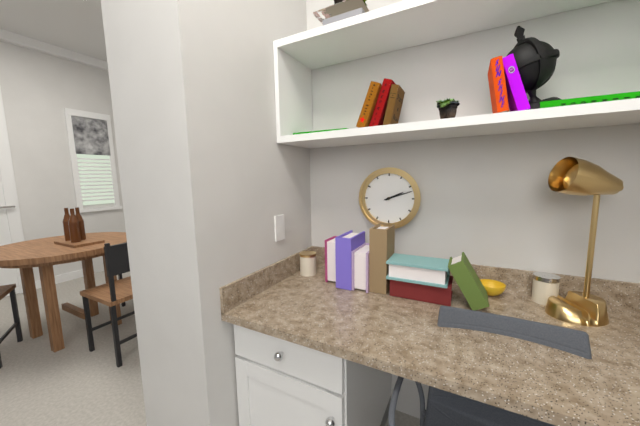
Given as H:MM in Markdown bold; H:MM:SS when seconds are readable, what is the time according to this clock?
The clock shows **2:12**
